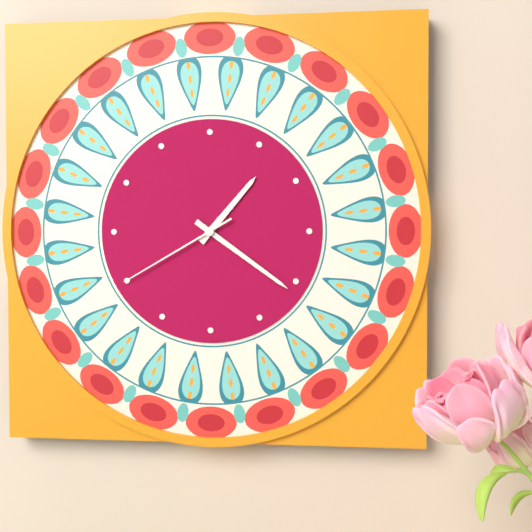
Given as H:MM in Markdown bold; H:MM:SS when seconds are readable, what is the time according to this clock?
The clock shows **1:21:40**
